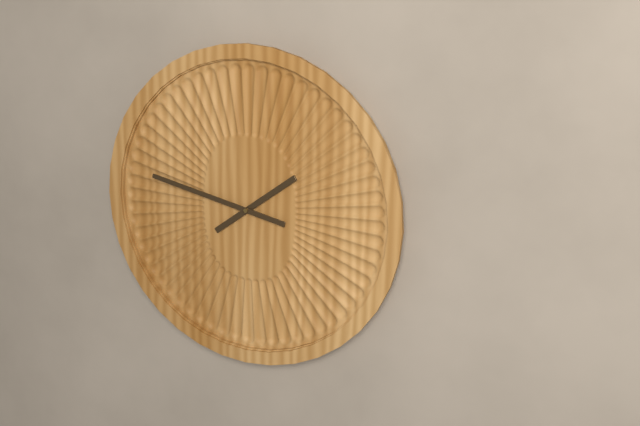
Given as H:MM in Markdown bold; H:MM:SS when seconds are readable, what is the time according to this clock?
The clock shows **1:47**
